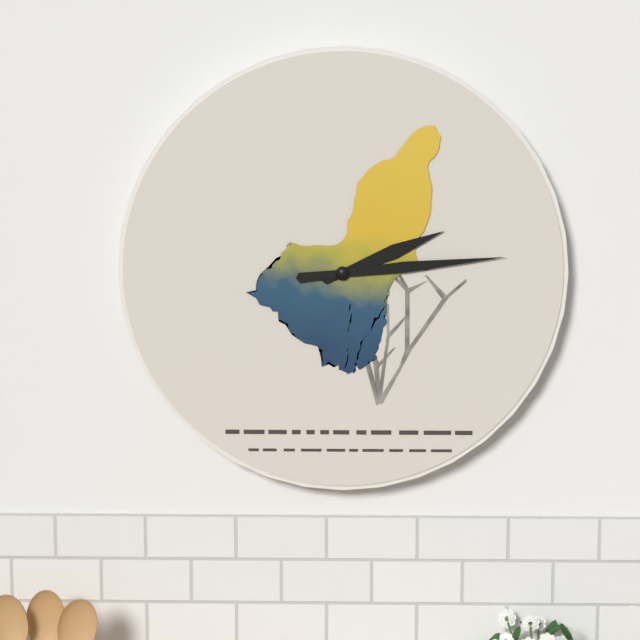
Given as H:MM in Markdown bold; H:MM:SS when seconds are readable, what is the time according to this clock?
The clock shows **2:14**
